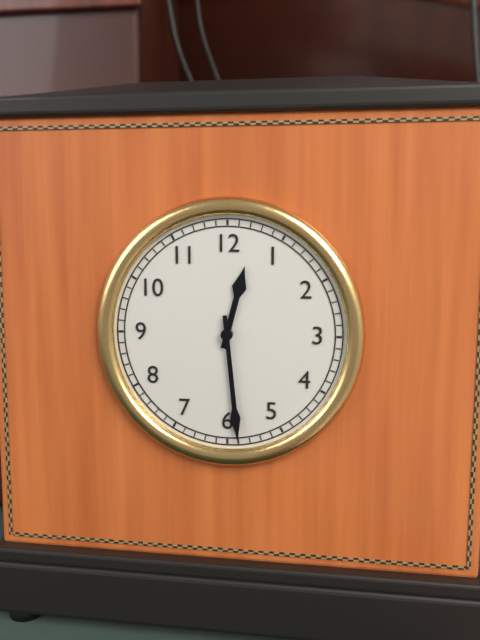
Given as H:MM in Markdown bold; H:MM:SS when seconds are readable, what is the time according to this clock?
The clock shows **12:29**
